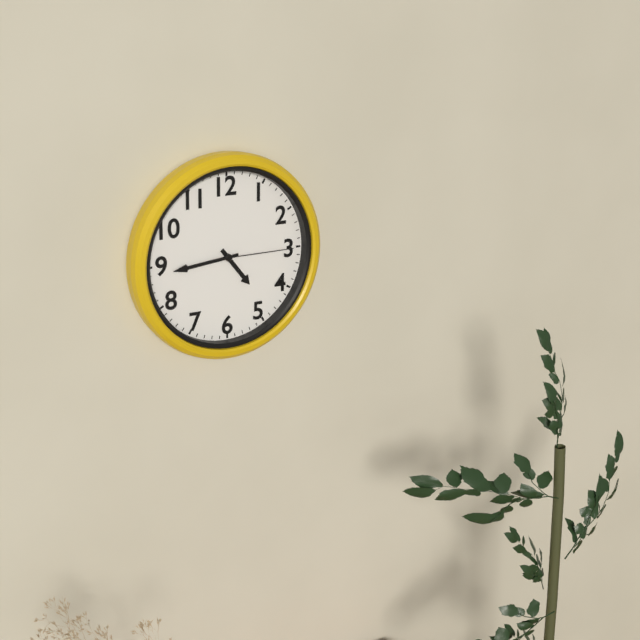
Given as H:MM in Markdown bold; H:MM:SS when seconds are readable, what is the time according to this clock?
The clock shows **4:44:15**
